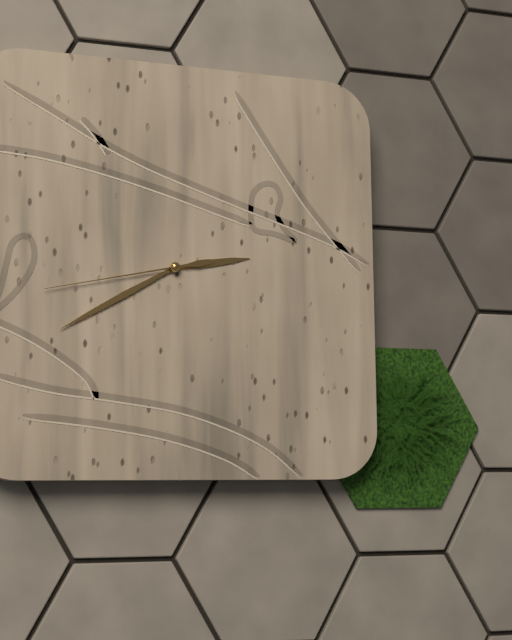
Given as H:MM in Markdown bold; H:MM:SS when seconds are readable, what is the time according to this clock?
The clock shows **2:40:43**
